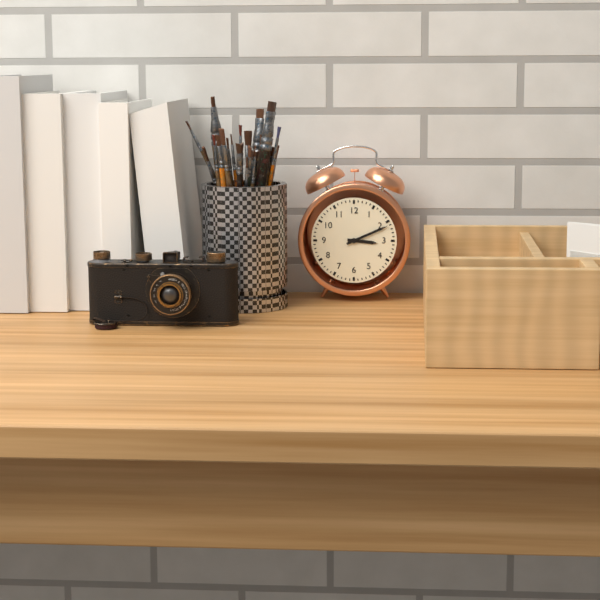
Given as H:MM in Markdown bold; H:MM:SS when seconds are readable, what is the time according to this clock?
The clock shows **3:11**
